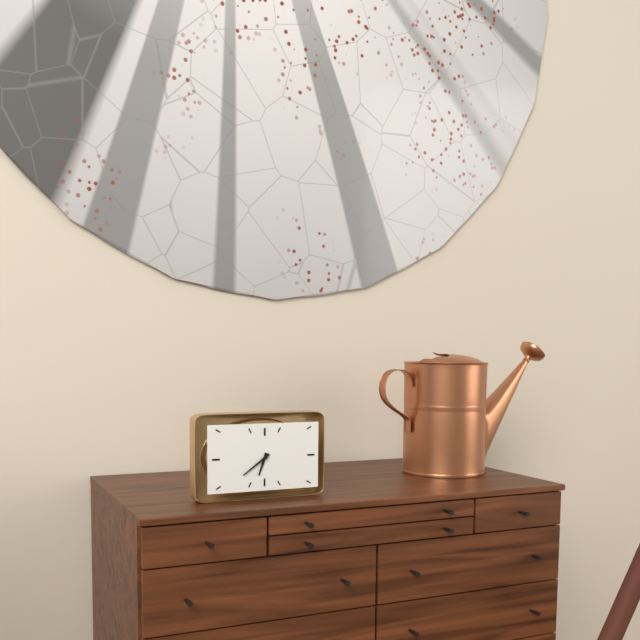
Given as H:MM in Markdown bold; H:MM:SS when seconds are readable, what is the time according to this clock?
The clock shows **6:39**
